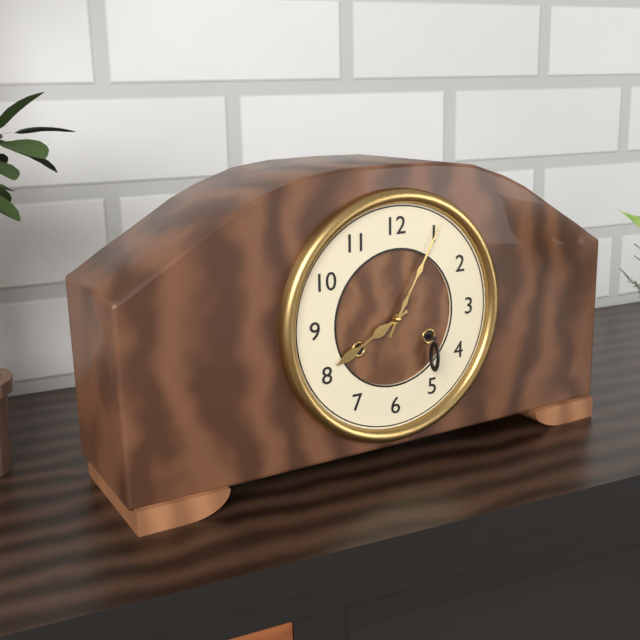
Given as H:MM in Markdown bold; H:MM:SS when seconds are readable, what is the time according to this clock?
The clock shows **8:05**
